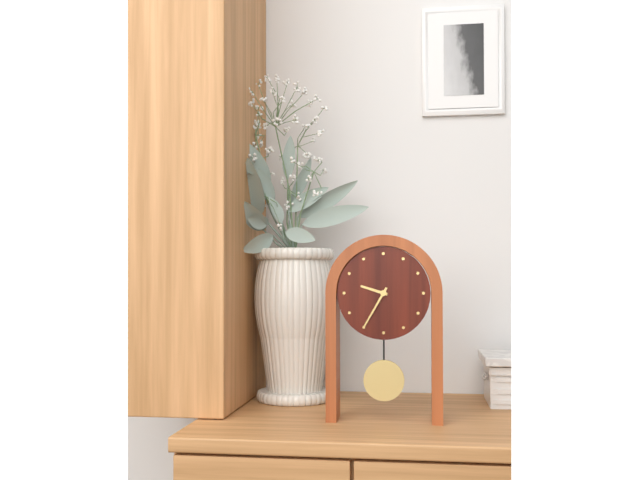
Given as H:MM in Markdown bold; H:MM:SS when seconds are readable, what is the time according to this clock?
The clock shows **9:35**
